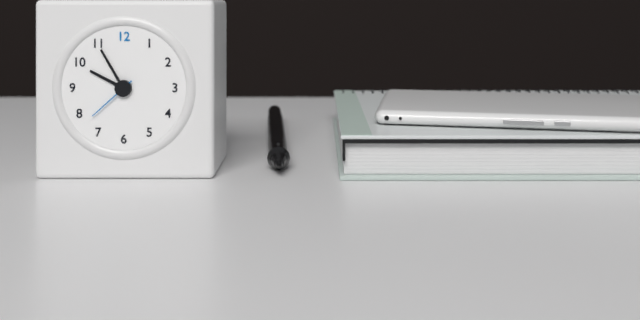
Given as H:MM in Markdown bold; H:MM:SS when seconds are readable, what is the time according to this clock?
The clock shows **9:55:38**
